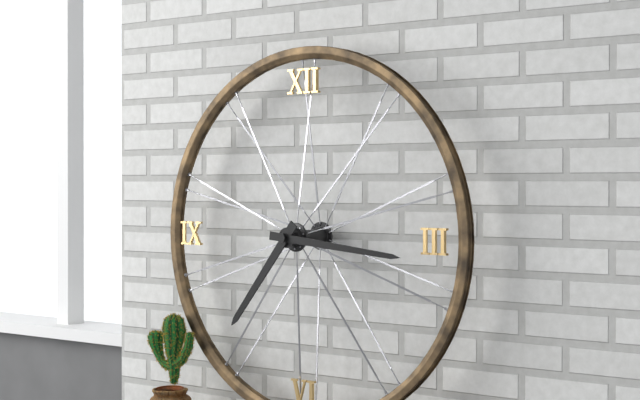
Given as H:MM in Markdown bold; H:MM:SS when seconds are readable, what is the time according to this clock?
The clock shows **7:16**
